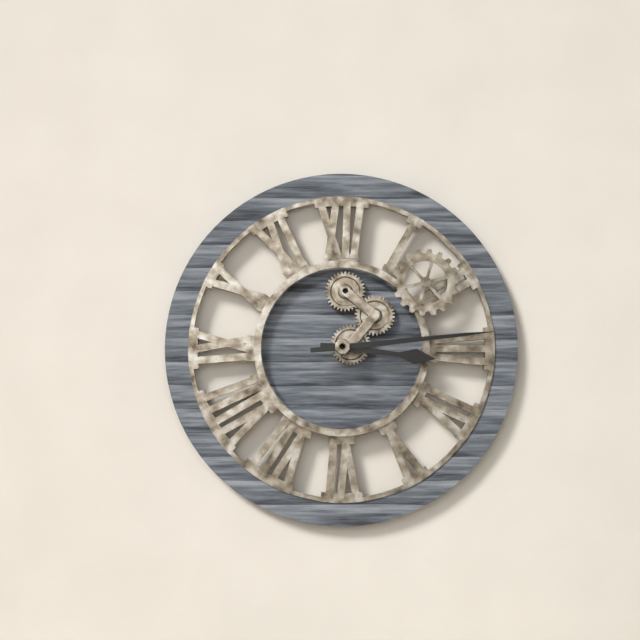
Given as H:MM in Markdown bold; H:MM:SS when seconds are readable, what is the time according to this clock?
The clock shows **3:14**
